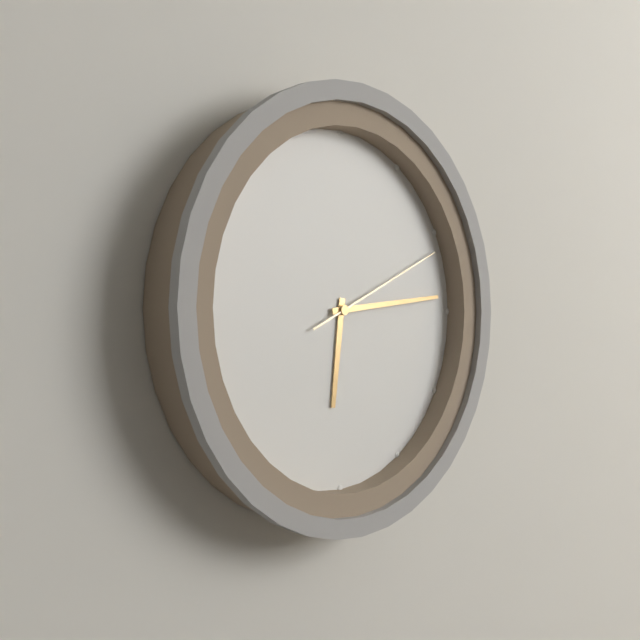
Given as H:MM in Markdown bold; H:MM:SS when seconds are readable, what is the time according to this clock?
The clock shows **6:14:11**
